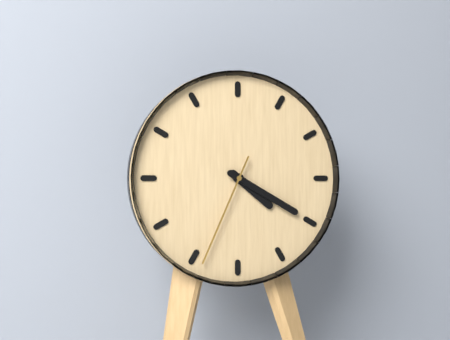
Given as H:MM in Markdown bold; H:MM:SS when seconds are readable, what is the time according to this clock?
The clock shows **4:20:34**
